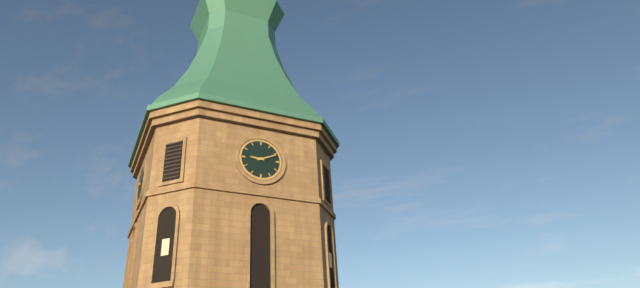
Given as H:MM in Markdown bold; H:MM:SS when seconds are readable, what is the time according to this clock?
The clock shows **9:11**
